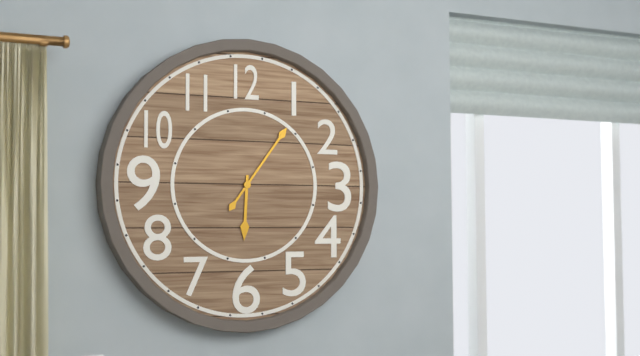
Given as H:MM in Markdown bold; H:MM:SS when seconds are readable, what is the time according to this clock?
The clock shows **6:06**
